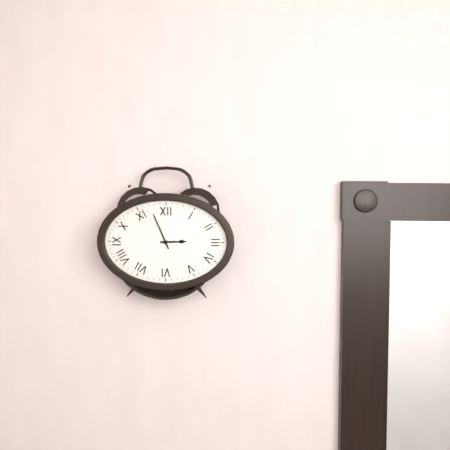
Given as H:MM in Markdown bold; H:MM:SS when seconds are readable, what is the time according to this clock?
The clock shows **2:56**
